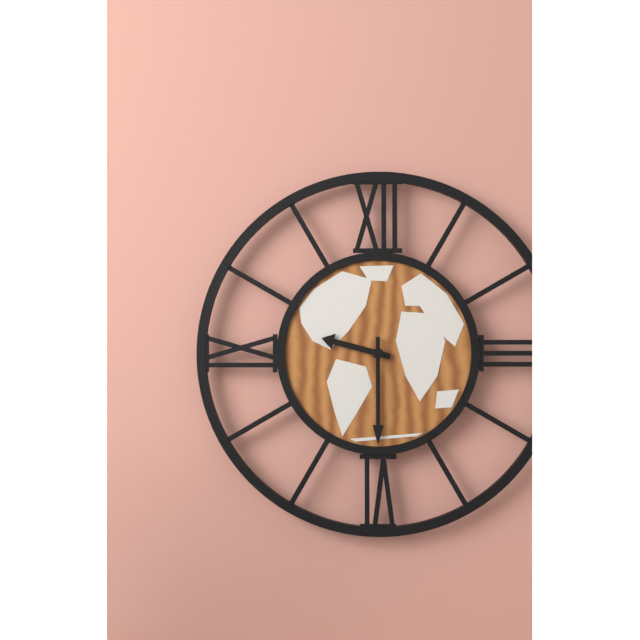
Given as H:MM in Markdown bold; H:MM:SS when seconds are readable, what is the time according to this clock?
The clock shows **9:30**
